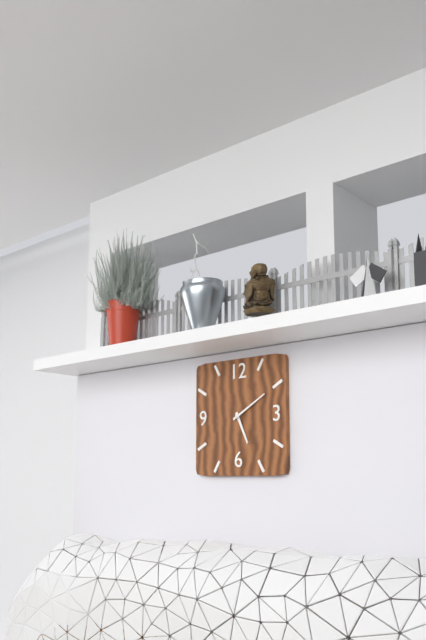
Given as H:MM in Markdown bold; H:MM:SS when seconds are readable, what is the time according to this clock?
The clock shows **5:10**
